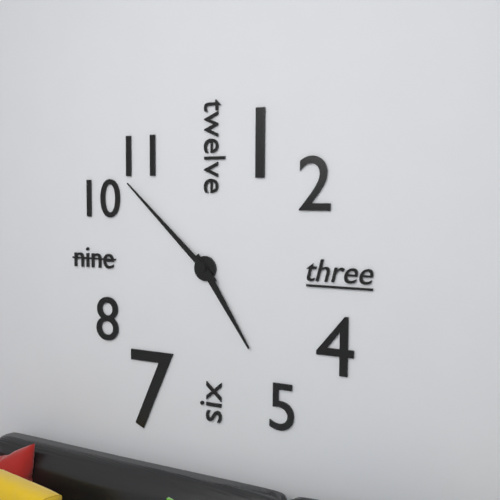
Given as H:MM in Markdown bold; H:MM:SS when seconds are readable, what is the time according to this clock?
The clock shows **4:52**
